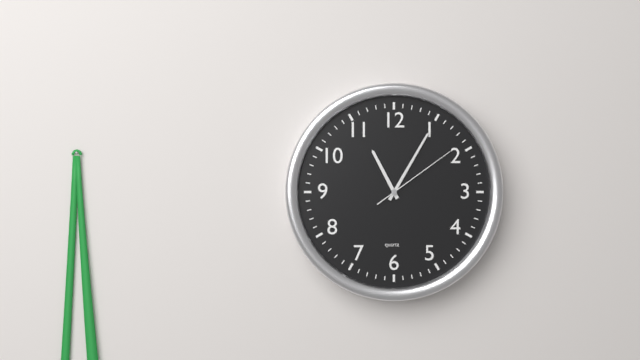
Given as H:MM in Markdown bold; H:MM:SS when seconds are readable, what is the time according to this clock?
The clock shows **11:05:09**
